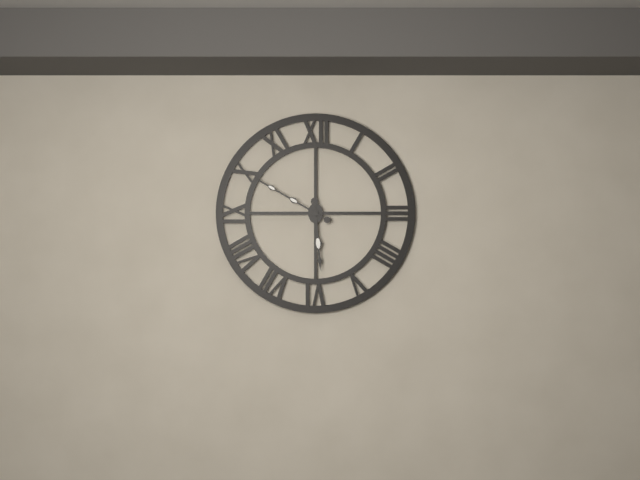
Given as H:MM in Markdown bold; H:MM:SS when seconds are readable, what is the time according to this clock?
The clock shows **5:50**
